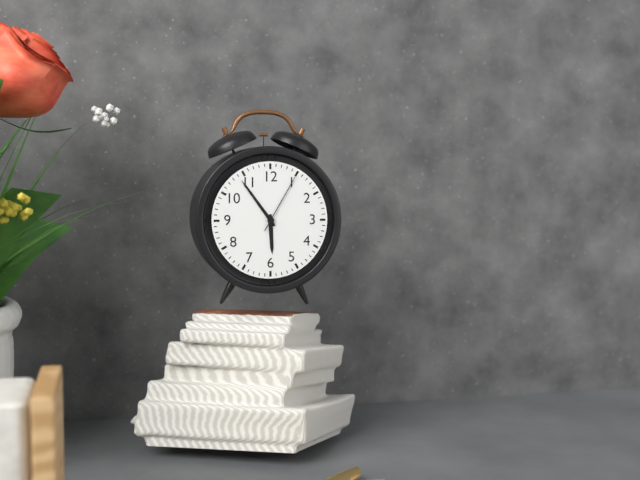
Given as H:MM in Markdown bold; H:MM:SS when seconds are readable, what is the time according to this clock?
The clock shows **5:54:05**
